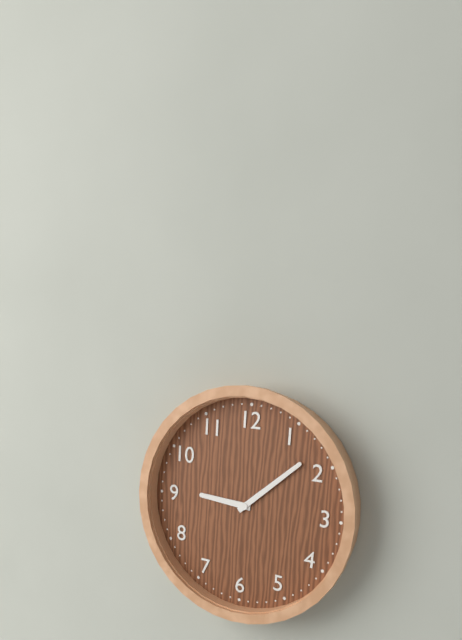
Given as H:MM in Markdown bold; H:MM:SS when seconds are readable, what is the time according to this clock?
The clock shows **9:08**
